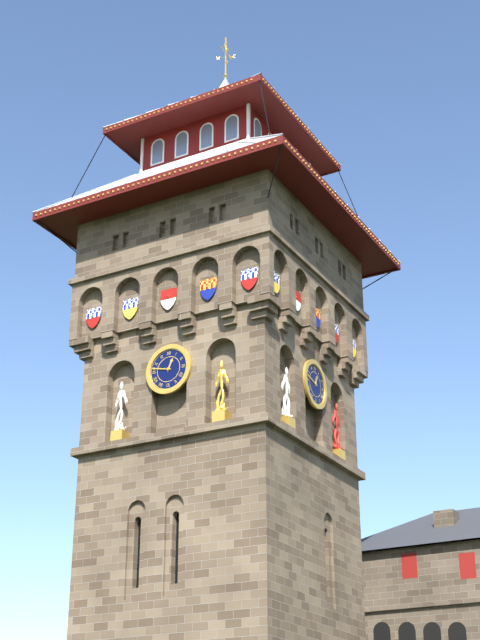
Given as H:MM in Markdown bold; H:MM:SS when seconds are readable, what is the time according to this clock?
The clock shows **12:47**
